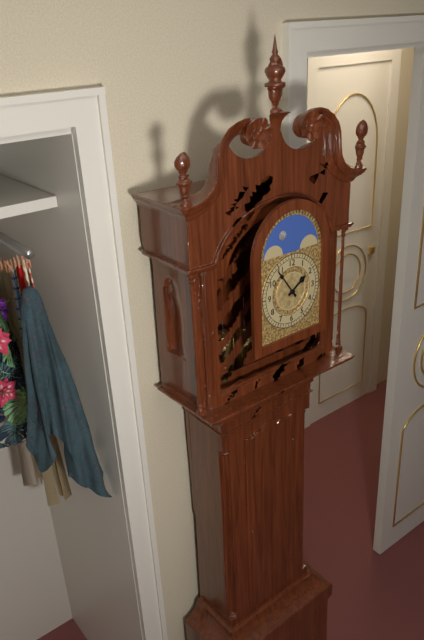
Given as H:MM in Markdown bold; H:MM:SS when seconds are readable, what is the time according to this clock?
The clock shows **1:54**
